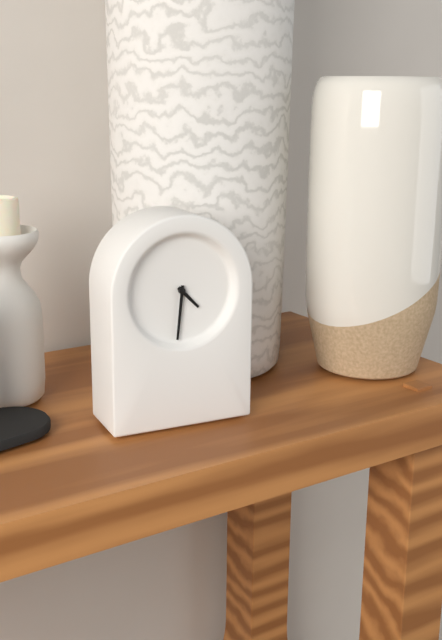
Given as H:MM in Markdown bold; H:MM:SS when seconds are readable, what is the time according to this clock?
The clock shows **4:31**
